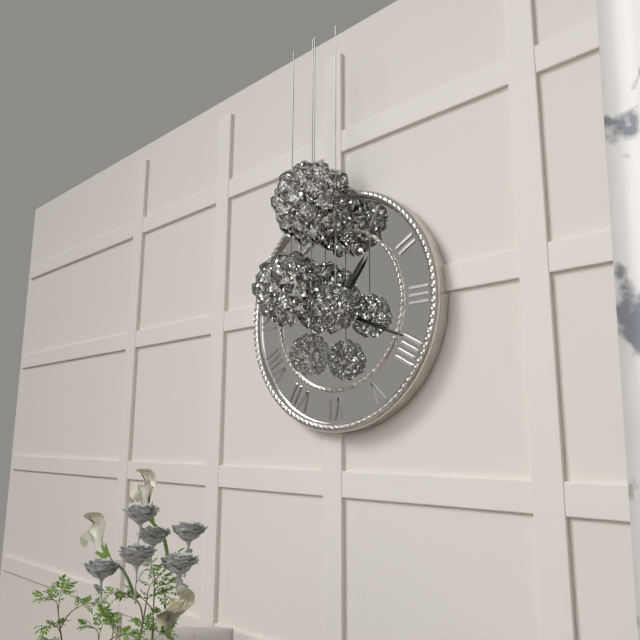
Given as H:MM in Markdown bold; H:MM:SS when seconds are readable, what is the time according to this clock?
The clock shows **1:19**
